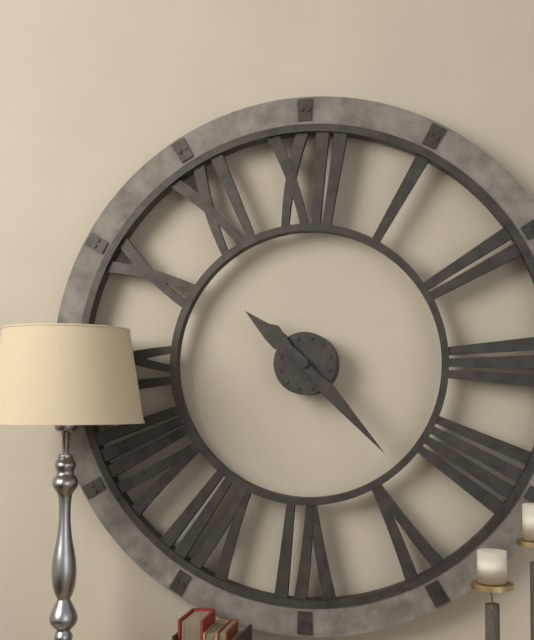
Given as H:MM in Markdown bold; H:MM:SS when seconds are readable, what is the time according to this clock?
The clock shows **10:23**
